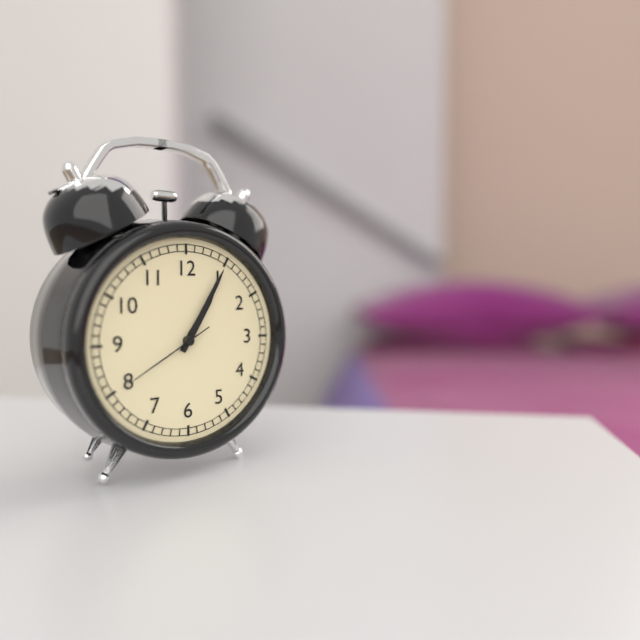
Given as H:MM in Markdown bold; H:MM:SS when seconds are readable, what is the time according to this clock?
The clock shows **1:05:40**
